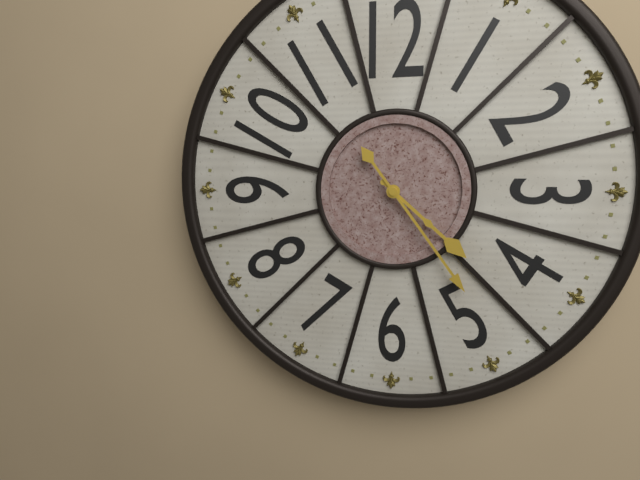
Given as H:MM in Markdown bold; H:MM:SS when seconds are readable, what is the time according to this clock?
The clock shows **4:24**
